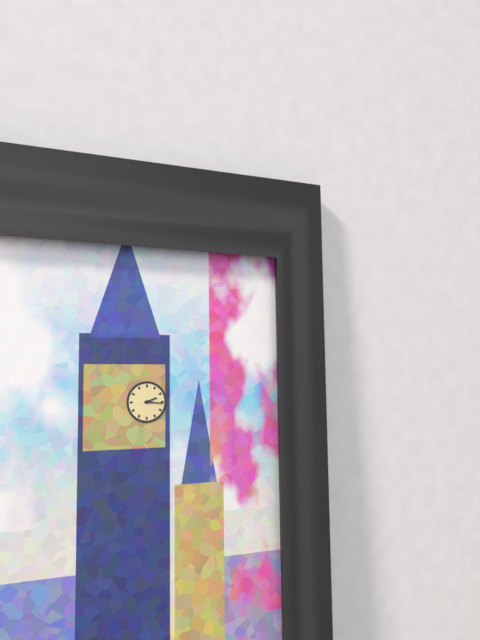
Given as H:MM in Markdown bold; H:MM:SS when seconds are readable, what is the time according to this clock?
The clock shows **2:16**
